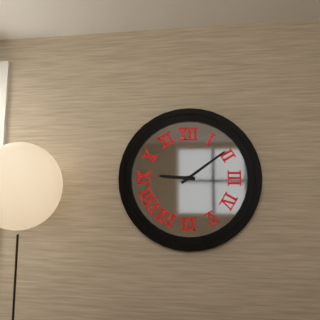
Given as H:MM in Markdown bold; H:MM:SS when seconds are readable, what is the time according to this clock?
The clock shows **9:09**
